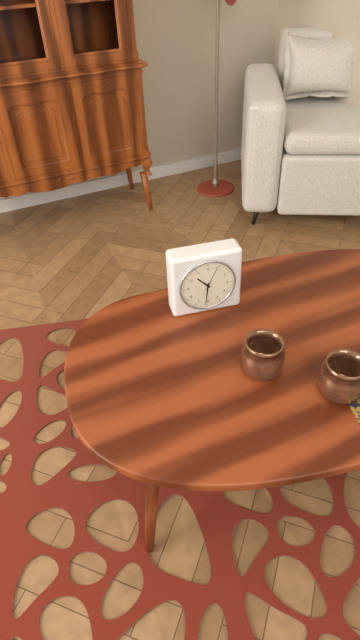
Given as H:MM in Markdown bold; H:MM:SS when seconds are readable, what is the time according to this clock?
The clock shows **10:31**
